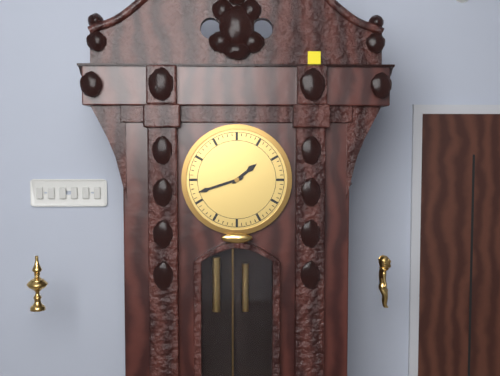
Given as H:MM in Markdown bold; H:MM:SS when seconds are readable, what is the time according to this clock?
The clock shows **1:42**
